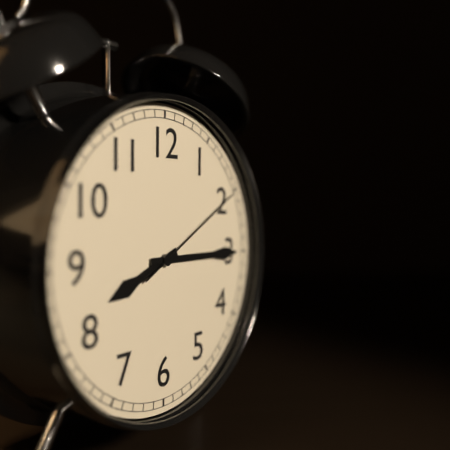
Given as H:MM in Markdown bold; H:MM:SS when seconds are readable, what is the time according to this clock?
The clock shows **8:15:10**
